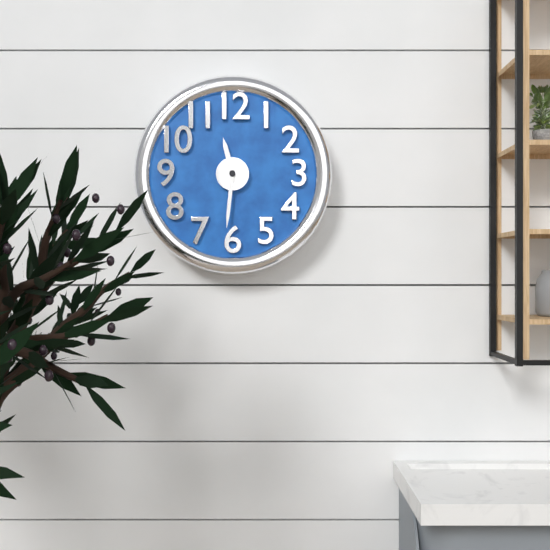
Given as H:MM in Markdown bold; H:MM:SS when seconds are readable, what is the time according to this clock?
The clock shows **11:31**
